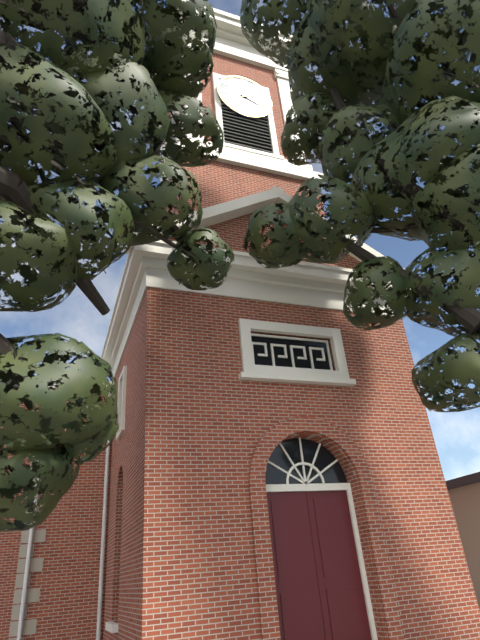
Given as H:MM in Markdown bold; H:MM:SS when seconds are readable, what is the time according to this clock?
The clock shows **2:19**
